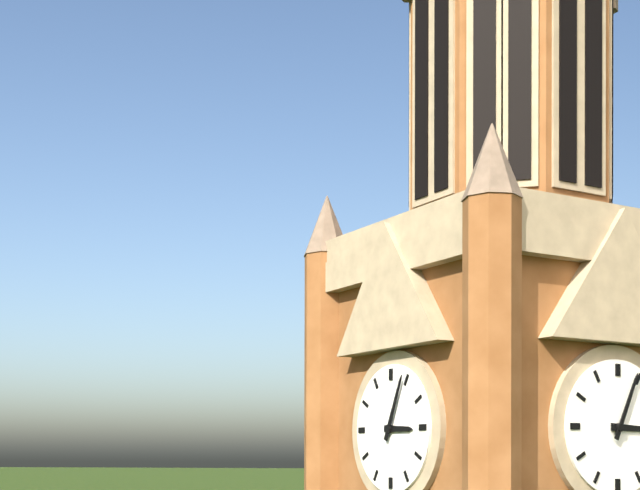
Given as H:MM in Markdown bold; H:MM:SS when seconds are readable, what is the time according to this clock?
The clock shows **3:04**
